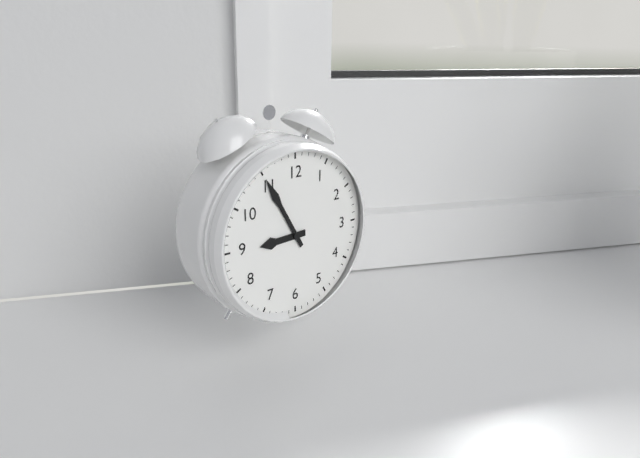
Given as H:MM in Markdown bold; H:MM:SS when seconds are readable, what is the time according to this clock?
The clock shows **8:55**
